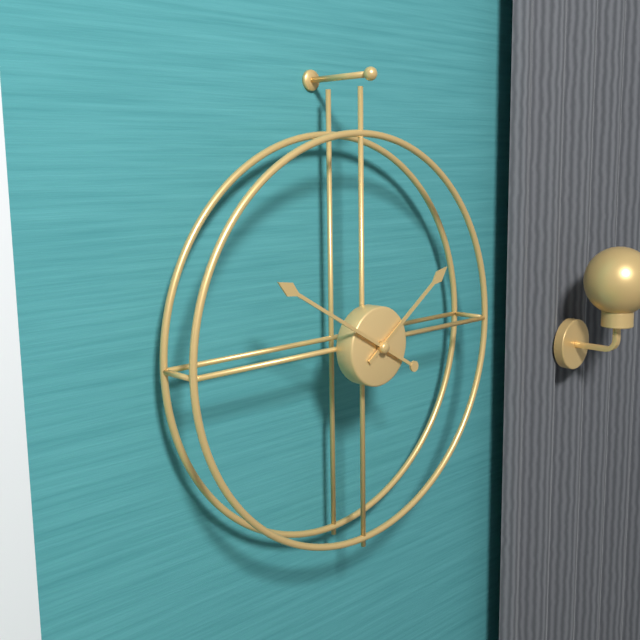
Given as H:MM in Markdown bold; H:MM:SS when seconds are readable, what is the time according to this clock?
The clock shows **1:50**
